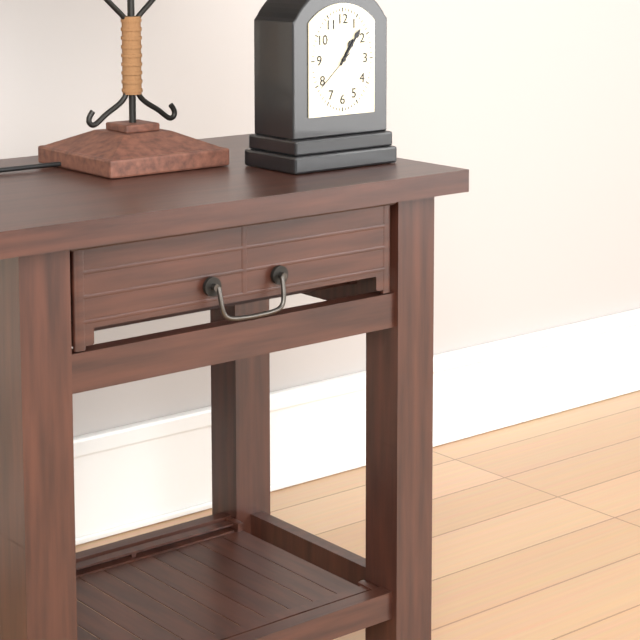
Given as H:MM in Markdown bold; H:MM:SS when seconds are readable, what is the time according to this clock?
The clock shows **1:06**
